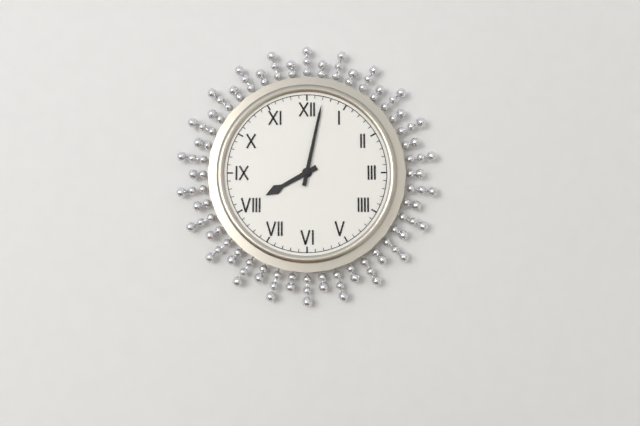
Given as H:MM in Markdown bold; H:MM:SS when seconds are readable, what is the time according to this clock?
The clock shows **8:02**
